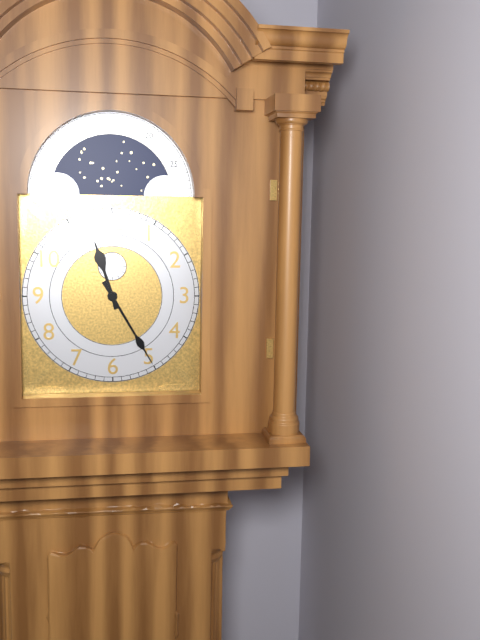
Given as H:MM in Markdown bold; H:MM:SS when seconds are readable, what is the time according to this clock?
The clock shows **11:25**
